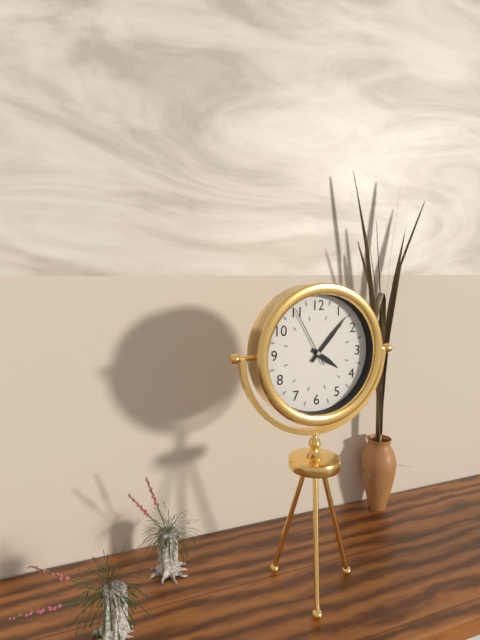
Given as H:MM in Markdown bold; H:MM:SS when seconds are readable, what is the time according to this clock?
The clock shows **4:07:55**
